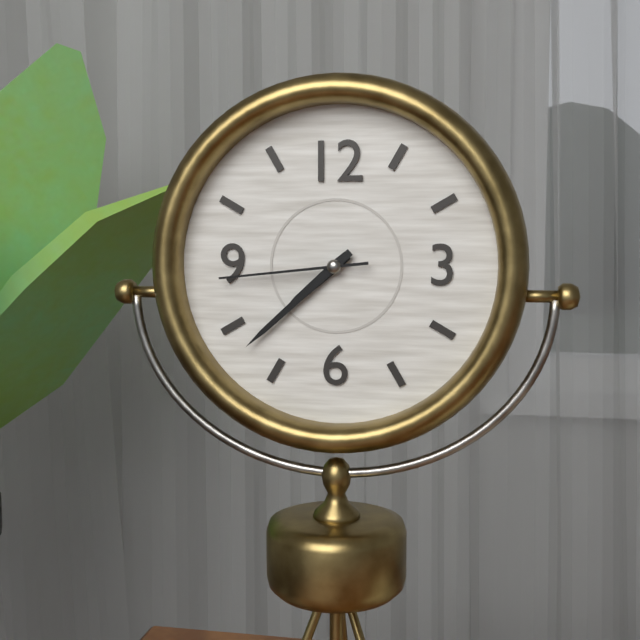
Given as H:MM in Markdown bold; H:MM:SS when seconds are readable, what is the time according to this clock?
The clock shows **7:38:44**
